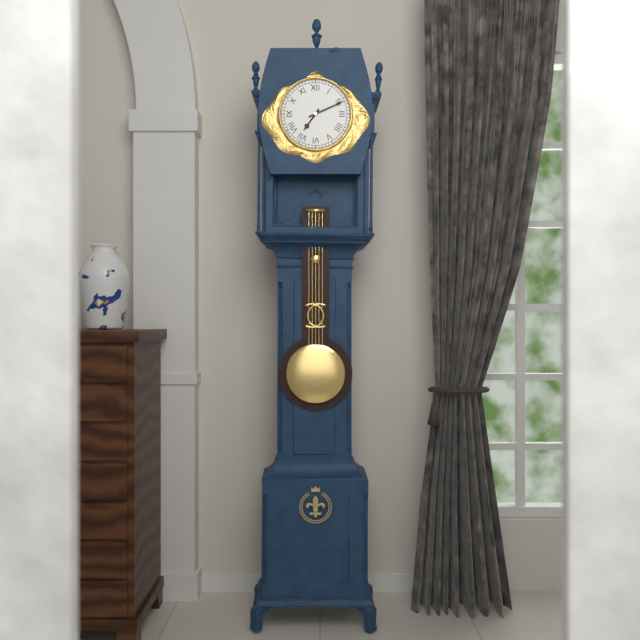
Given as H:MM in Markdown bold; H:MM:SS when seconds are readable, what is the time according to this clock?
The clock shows **7:11**
